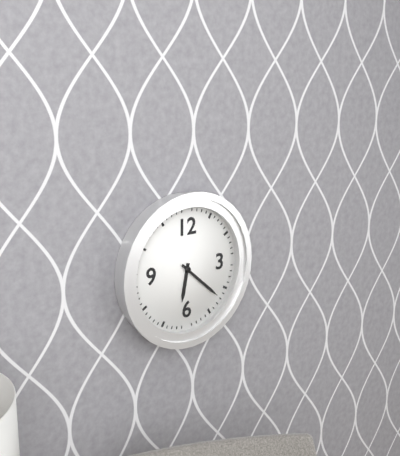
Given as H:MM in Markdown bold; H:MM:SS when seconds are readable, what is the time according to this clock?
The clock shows **6:22**
